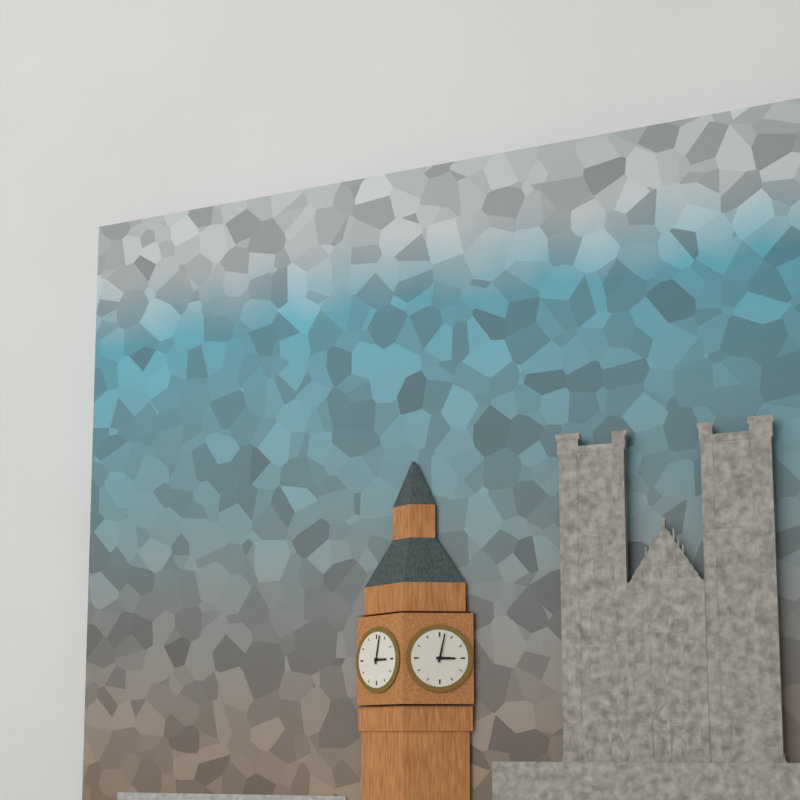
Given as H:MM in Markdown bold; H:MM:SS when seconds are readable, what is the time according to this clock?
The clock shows **3:02**
